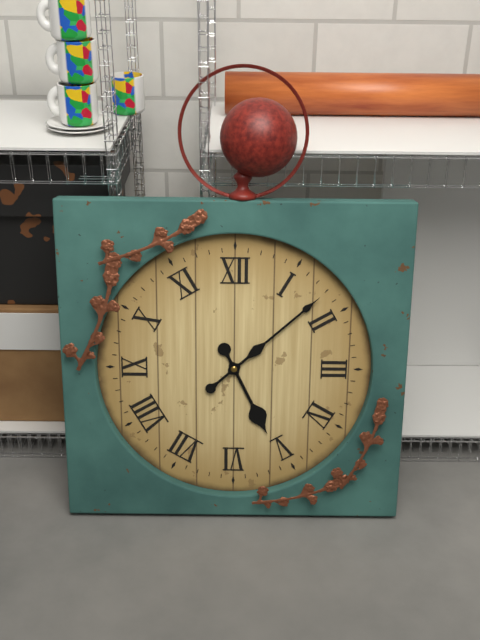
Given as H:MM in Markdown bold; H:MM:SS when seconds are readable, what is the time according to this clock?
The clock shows **5:08**
